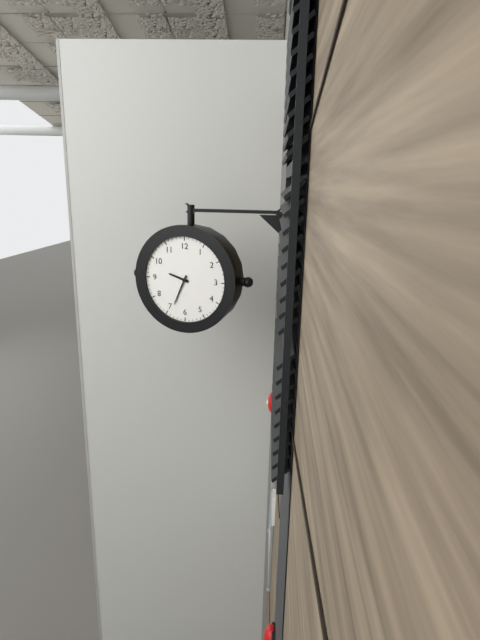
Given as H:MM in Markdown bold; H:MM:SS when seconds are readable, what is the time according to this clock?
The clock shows **9:34**
